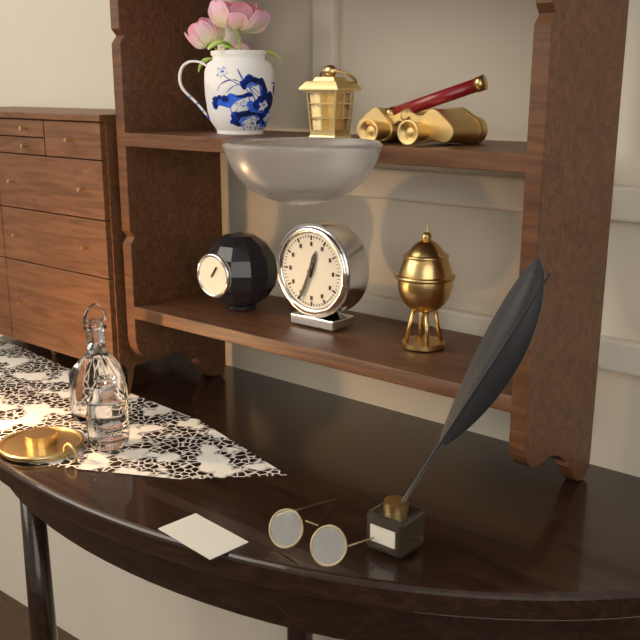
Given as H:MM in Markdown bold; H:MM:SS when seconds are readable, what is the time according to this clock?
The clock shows **12:34**
